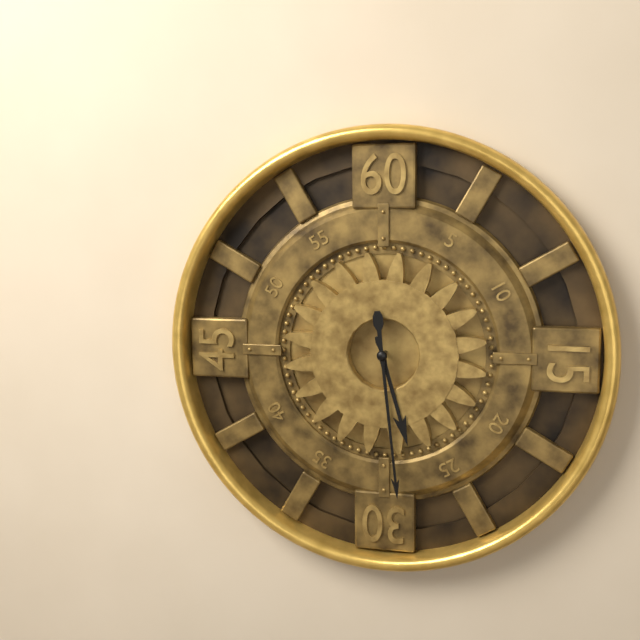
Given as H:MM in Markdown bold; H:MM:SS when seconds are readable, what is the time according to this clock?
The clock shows **5:29**
